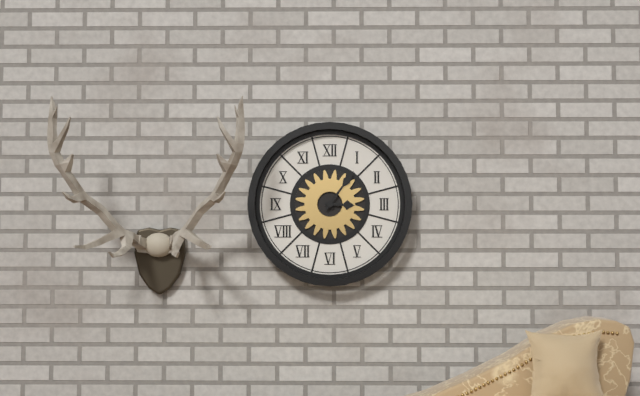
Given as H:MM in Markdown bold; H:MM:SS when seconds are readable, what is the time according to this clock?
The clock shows **3:06**
